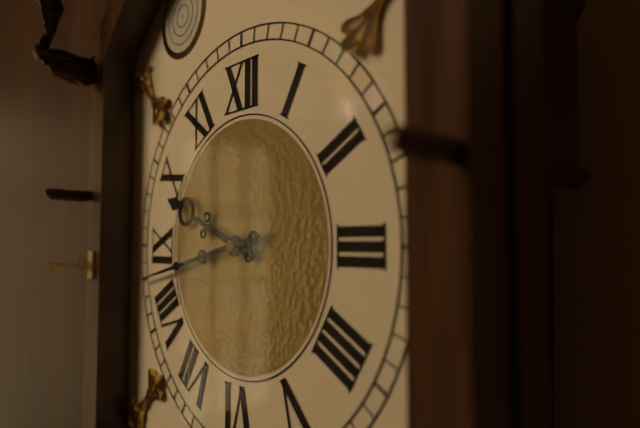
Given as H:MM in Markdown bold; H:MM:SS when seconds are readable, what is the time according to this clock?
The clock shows **9:43**
